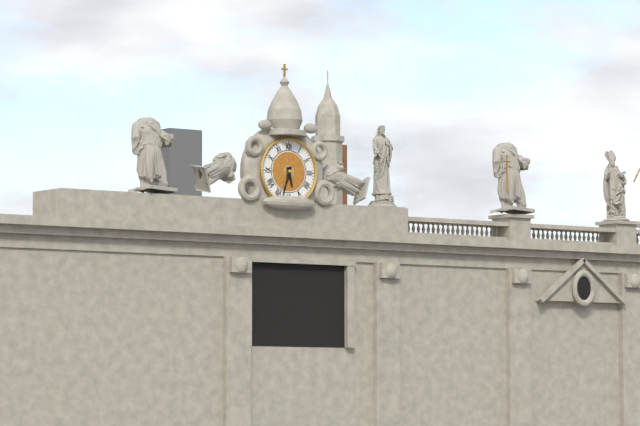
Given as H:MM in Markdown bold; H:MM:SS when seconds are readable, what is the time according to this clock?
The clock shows **5:33**
